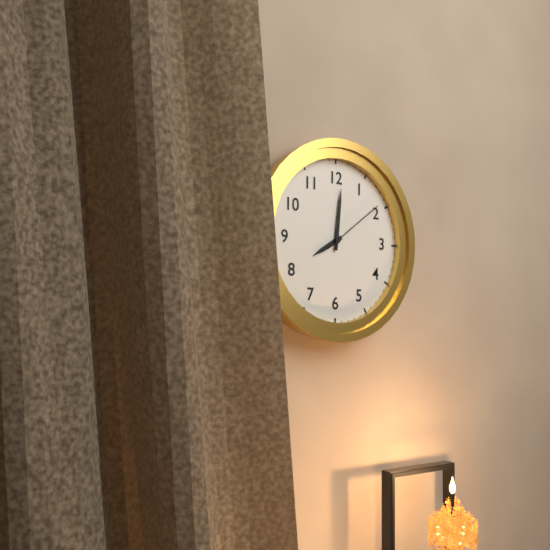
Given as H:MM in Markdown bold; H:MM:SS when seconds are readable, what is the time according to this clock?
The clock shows **8:01:09**
